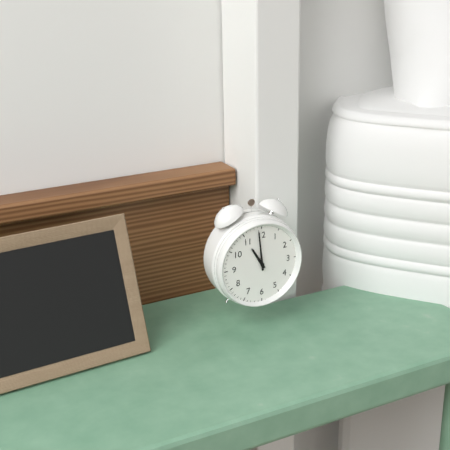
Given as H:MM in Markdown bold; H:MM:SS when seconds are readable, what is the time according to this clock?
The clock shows **10:59**
